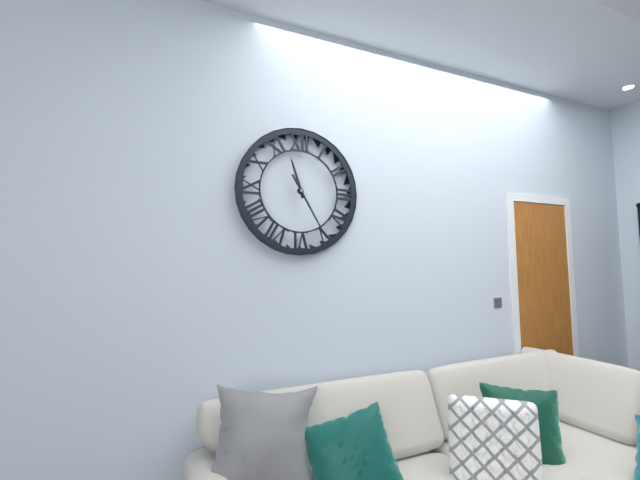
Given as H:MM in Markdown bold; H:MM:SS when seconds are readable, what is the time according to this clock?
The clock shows **11:25**
